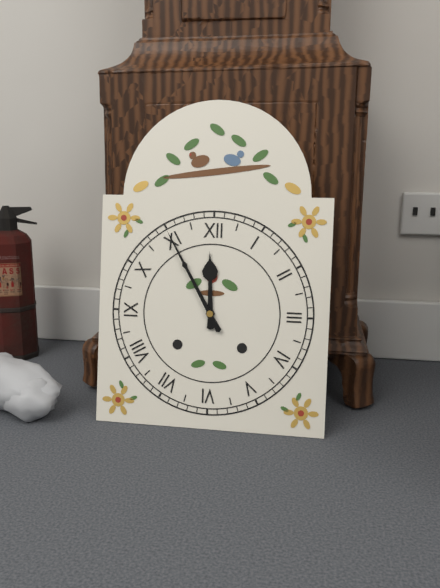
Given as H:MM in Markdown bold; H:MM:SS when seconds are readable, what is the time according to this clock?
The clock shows **11:55**
